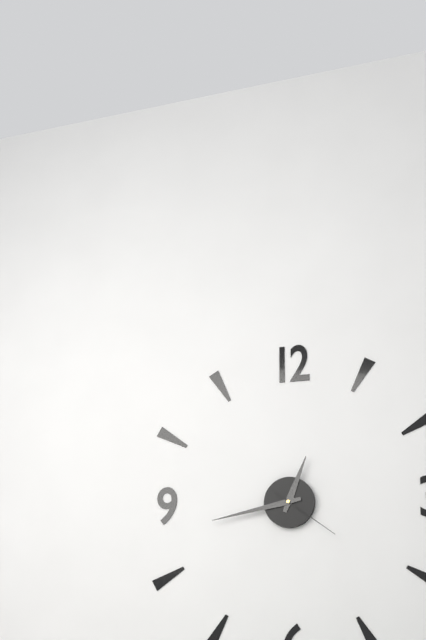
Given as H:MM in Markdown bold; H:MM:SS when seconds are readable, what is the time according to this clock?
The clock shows **12:43:21**
